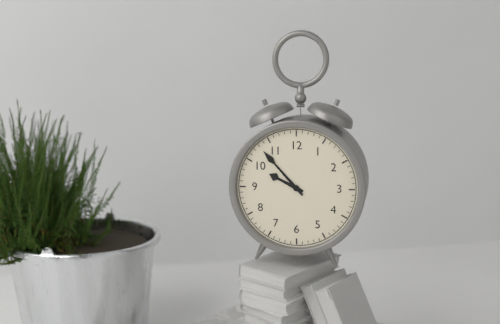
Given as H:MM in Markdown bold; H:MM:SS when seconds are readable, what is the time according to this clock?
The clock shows **9:53**
